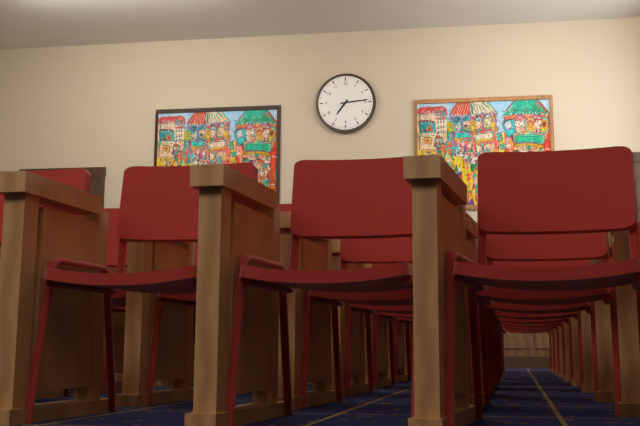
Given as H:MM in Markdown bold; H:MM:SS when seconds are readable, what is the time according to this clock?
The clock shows **7:14**
